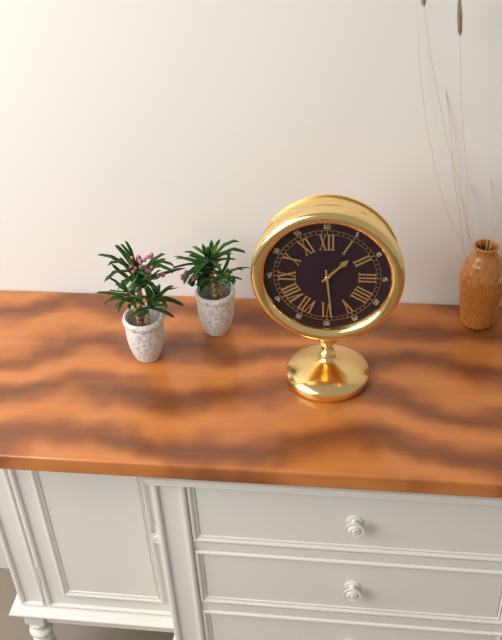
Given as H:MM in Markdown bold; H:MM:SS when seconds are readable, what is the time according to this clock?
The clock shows **1:29**
